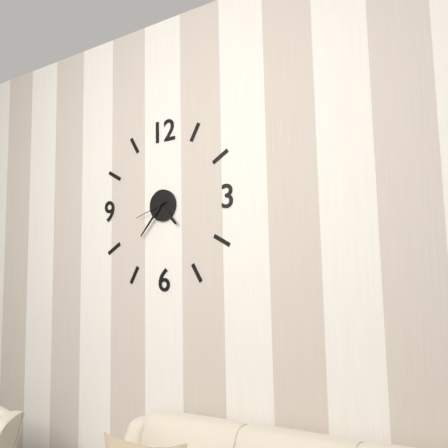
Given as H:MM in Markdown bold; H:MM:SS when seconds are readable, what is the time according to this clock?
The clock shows **4:37**
